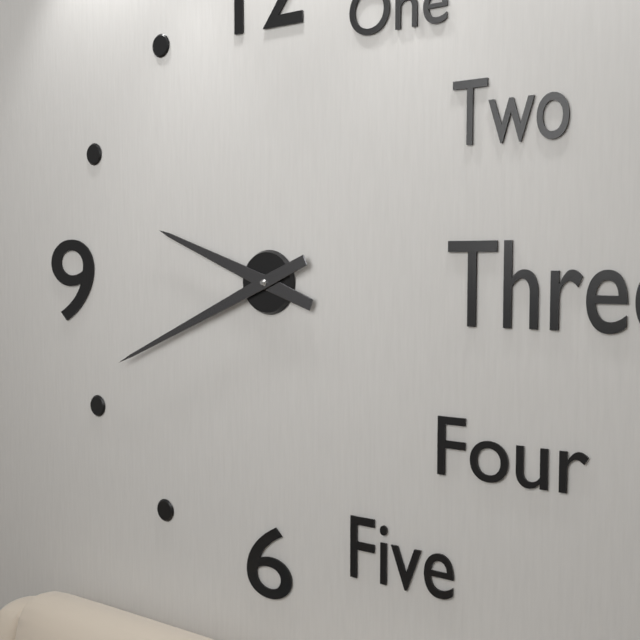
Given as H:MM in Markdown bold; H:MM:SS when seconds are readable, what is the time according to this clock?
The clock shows **9:41**
